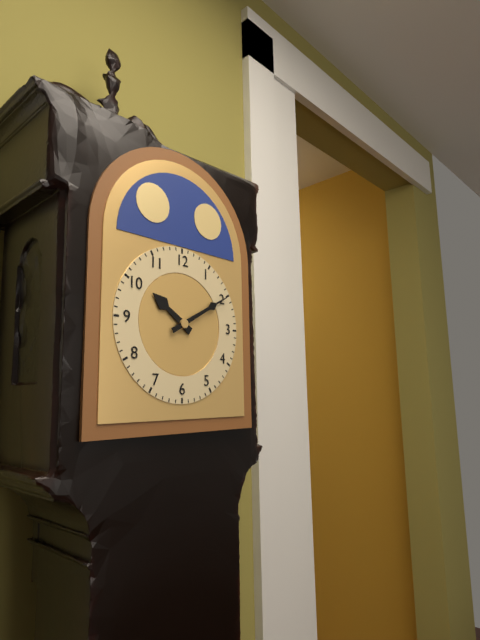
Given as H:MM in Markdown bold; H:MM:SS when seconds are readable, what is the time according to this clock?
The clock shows **10:10**
